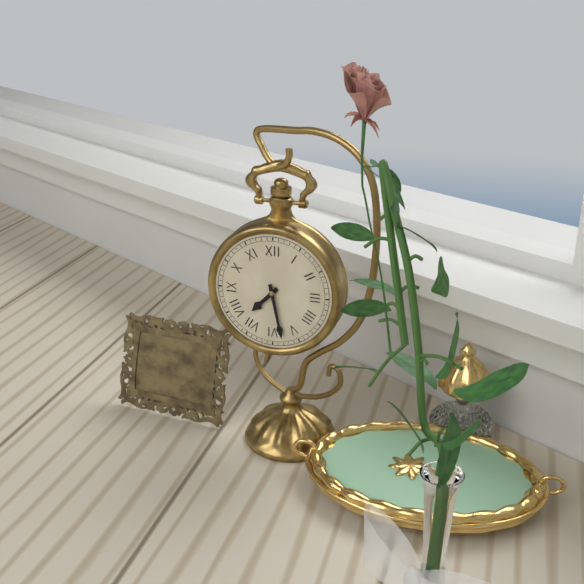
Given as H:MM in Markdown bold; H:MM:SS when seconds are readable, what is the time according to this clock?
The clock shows **7:28**
